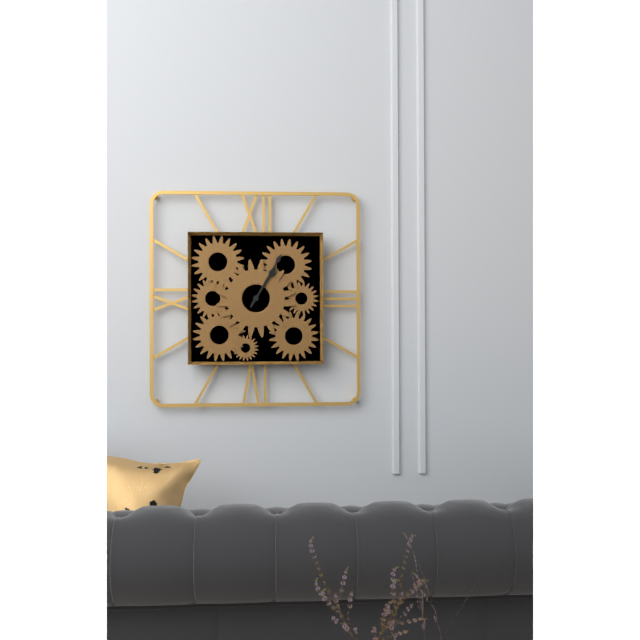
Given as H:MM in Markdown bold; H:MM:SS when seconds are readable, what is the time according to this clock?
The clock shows **1:05**
